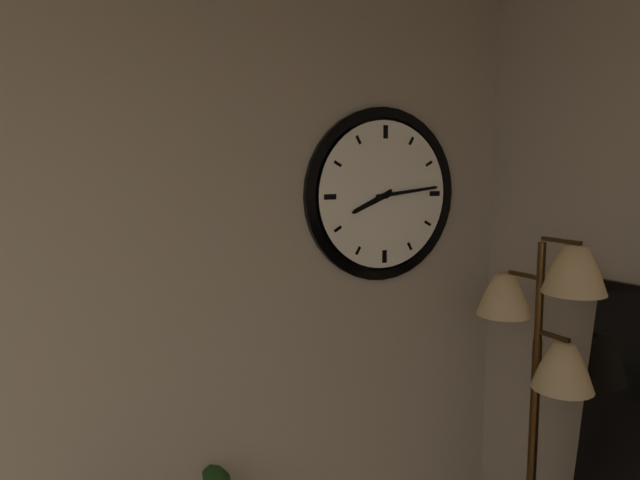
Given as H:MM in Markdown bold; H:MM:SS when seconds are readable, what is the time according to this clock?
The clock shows **8:14**
